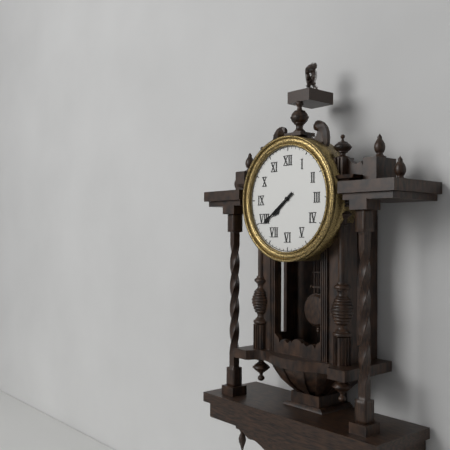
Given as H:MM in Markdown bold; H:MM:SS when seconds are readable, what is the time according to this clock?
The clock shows **7:39**
